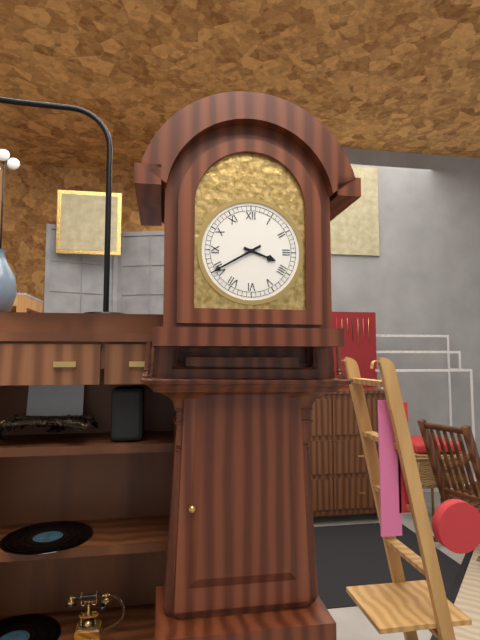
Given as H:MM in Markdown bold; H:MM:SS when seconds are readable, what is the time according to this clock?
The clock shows **3:40**
